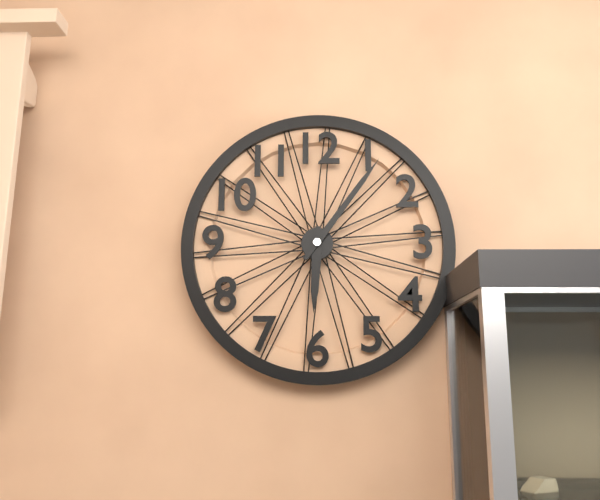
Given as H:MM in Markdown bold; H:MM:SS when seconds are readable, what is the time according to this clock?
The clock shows **6:06**
